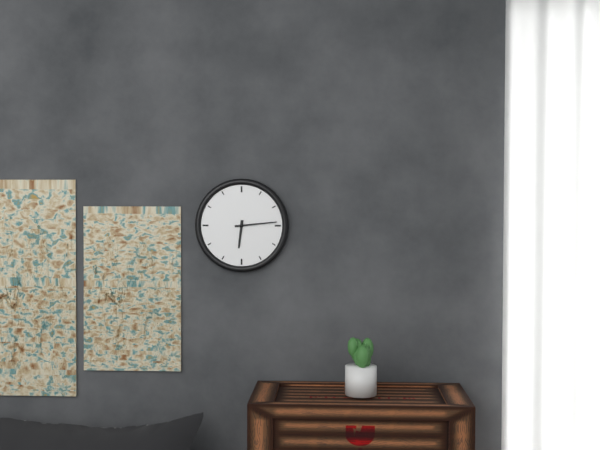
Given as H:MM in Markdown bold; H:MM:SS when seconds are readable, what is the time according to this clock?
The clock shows **6:14**
